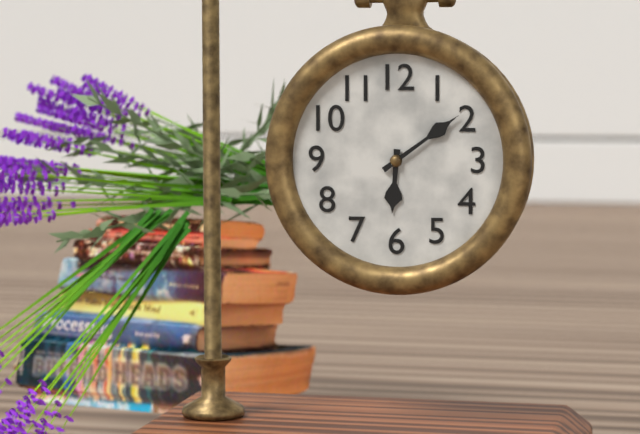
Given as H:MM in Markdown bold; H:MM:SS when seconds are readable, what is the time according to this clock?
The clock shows **6:09**
